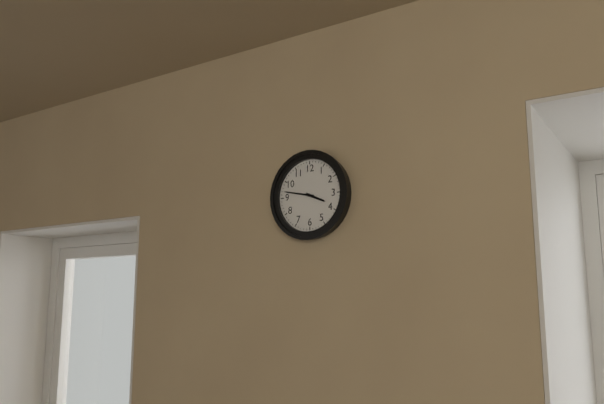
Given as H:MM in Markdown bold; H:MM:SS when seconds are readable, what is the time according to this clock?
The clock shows **3:47**
